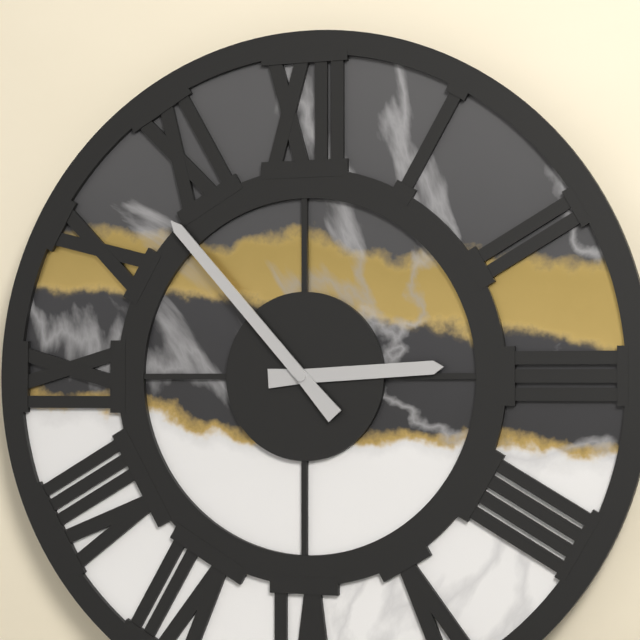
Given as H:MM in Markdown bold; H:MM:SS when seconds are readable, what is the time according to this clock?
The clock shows **2:53**
